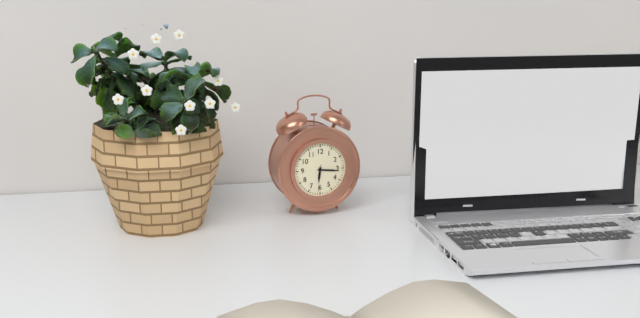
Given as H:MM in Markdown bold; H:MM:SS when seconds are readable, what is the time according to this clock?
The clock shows **6:16**
